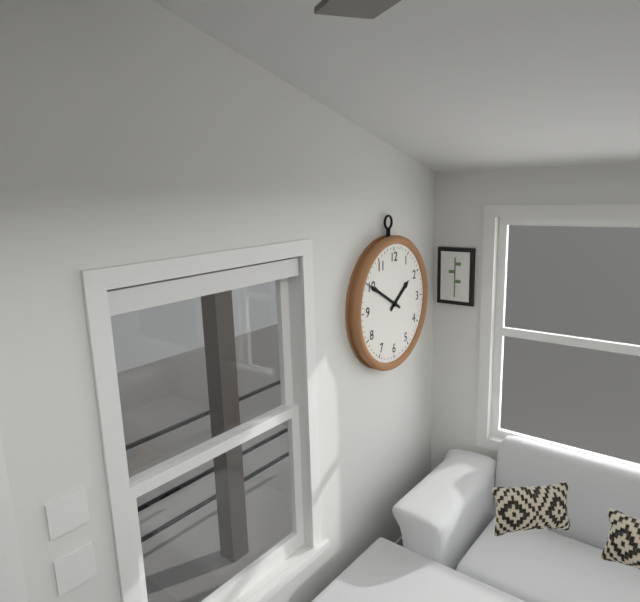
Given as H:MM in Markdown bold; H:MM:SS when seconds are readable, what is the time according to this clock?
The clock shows **1:50**
